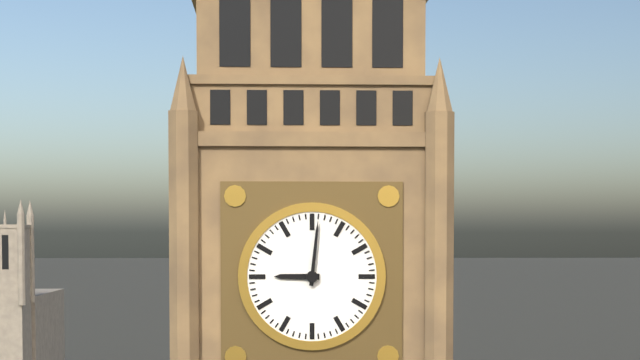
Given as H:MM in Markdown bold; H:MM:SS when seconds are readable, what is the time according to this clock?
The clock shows **9:01**
